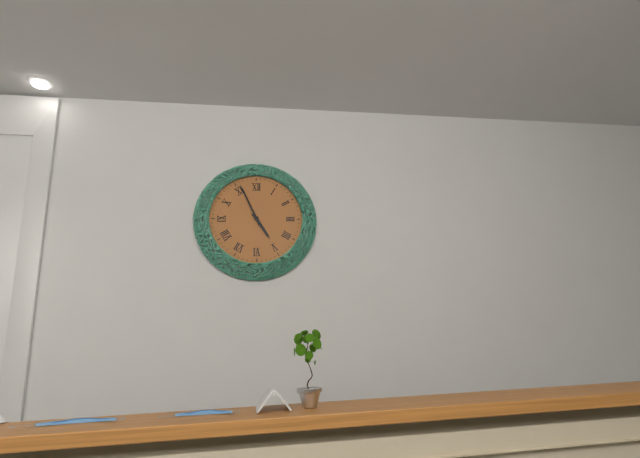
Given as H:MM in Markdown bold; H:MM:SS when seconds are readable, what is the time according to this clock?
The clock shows **4:56**
